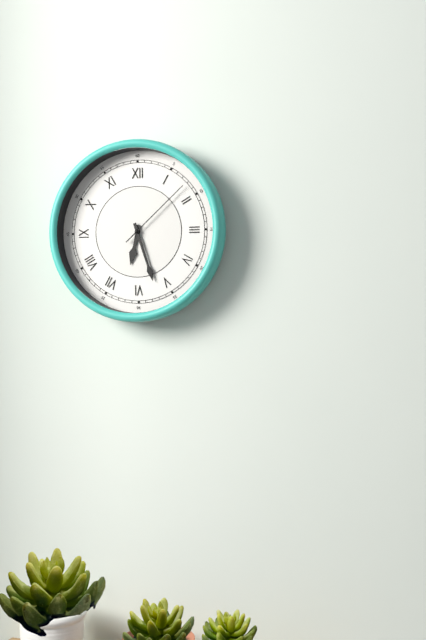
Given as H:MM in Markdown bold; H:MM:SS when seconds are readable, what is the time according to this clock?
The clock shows **6:27:08**
